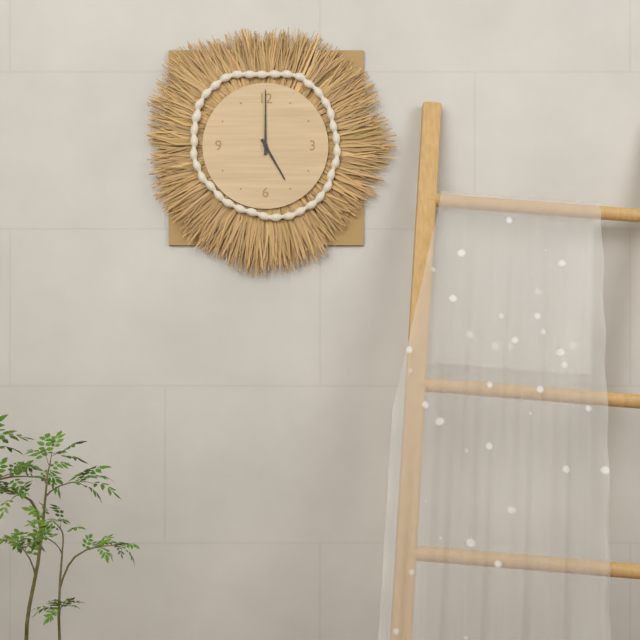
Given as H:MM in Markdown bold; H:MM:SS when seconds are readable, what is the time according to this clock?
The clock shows **5:00**
